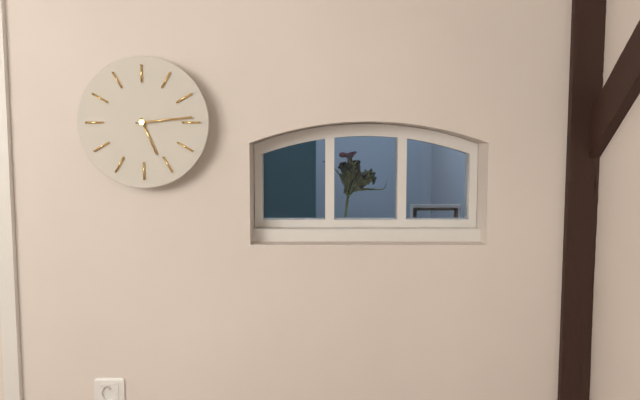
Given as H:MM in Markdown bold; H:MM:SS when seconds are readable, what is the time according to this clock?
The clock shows **5:14**
